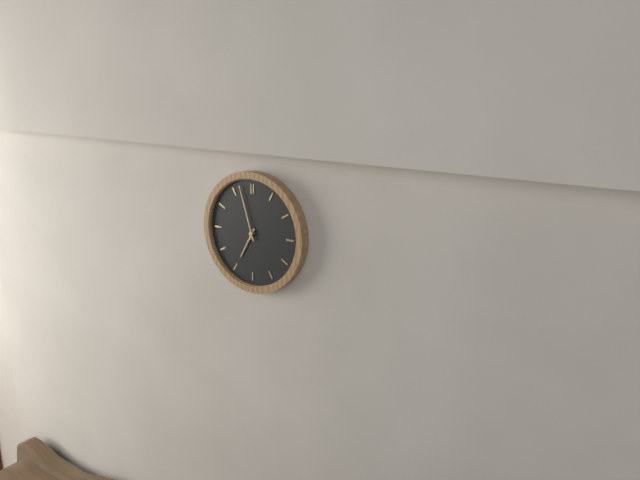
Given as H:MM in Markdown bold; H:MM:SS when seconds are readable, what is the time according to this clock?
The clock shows **6:57**
